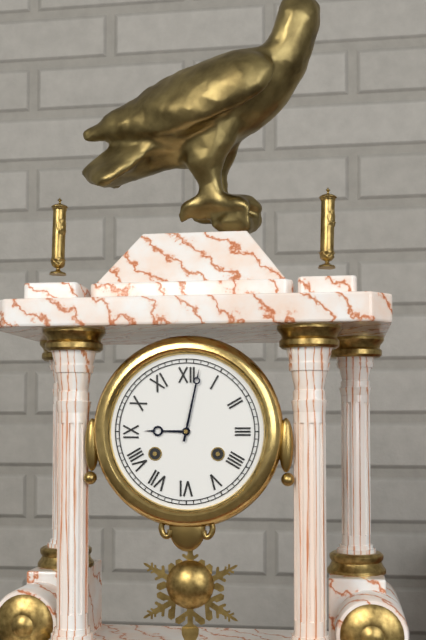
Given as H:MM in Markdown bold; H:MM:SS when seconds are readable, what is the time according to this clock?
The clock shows **9:02**
